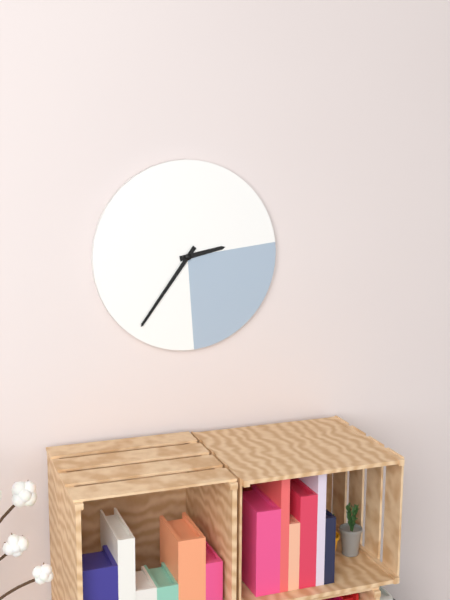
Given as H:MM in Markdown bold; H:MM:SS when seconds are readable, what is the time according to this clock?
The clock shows **2:36**
